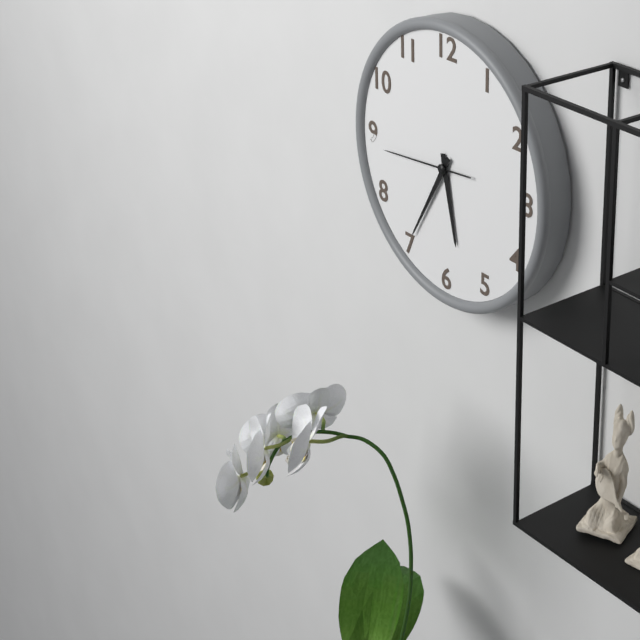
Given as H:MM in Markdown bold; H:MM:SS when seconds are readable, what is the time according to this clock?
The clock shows **5:35:44**
